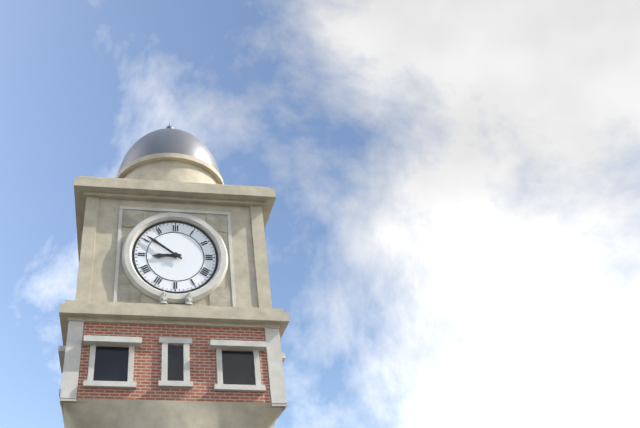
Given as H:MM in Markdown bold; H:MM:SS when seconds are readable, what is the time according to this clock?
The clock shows **8:51**
